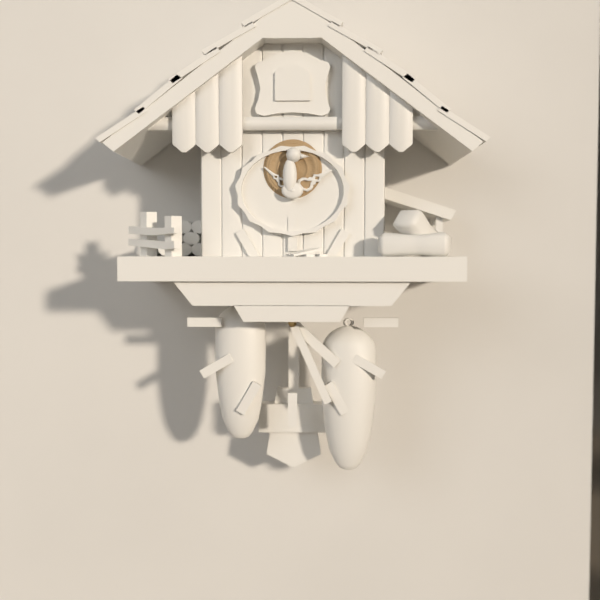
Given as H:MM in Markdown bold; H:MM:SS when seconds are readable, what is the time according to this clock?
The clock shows **4:26**
